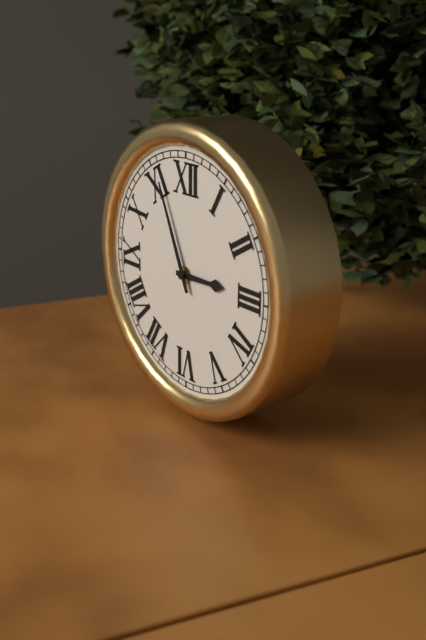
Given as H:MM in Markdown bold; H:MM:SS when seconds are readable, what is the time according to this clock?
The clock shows **2:56**
